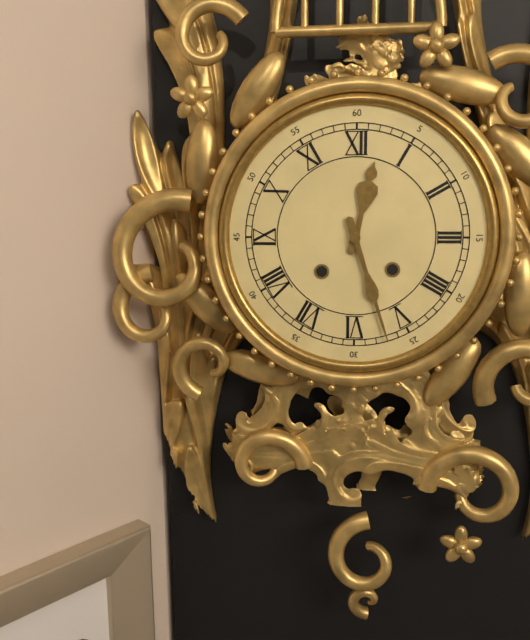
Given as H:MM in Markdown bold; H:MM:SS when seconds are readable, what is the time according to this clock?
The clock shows **12:27**
